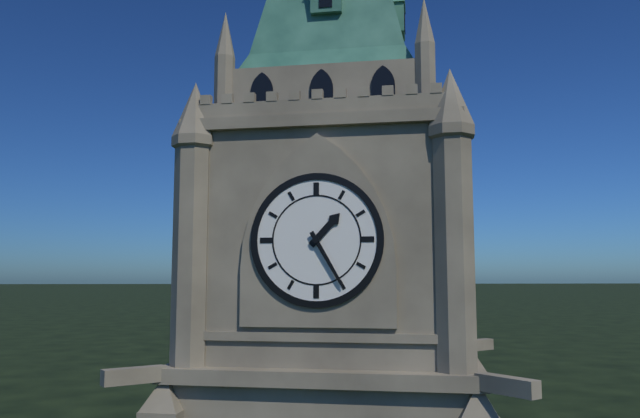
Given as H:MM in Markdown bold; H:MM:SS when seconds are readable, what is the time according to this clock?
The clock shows **1:25**
